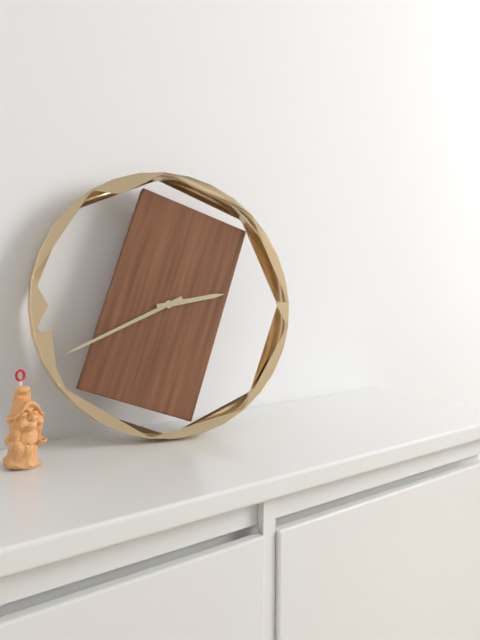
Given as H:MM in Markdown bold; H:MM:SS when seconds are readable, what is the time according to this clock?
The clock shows **2:41**
